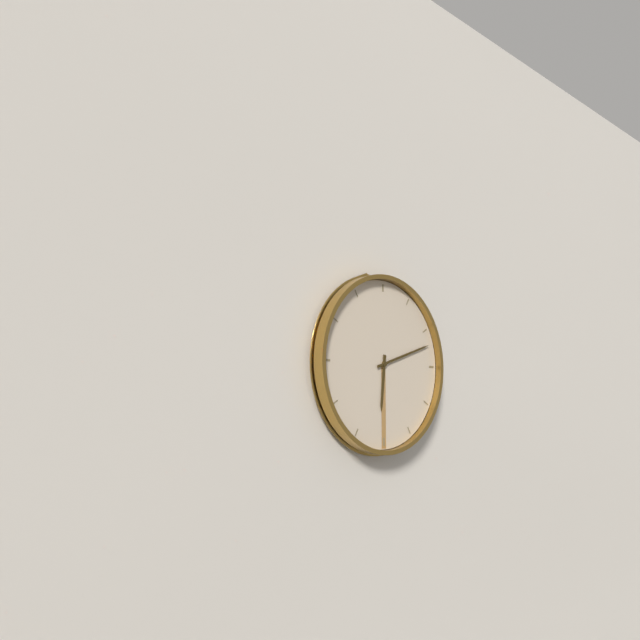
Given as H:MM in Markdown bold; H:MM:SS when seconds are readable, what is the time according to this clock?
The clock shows **6:12**
